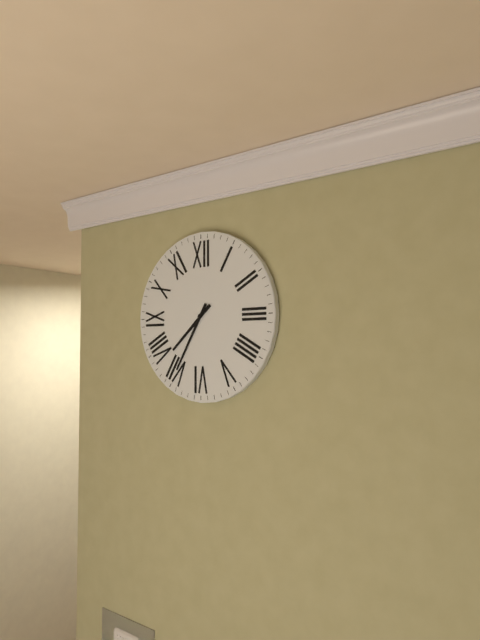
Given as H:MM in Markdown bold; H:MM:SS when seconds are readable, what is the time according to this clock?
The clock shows **7:35**
